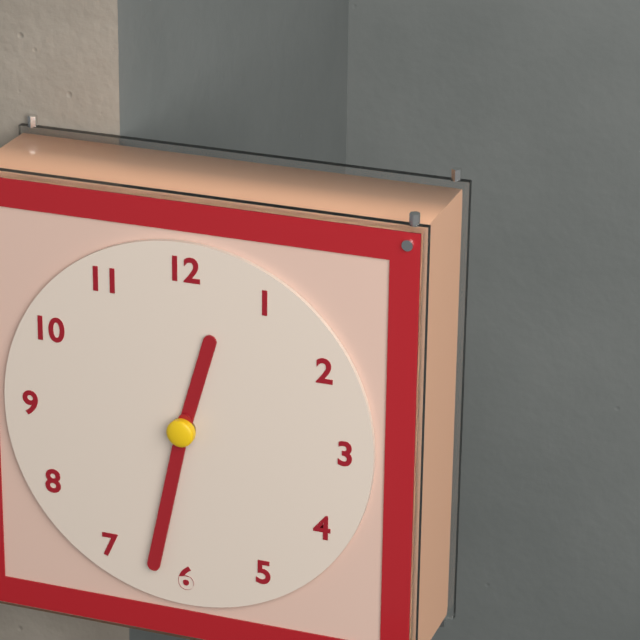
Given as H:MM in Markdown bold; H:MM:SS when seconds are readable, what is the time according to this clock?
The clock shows **12:32**
